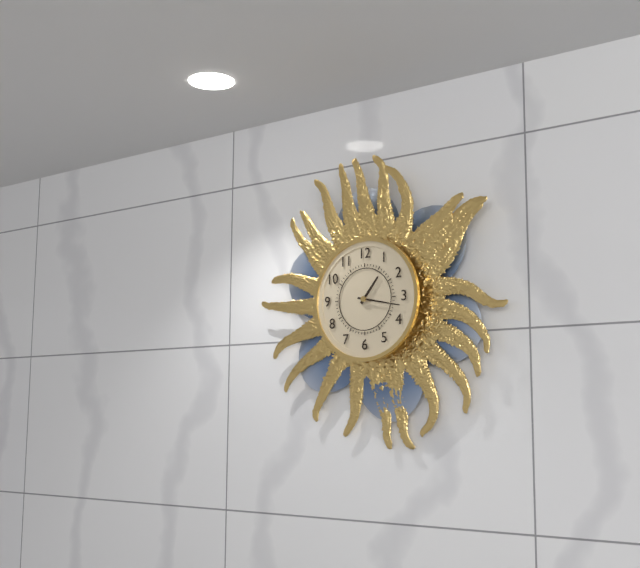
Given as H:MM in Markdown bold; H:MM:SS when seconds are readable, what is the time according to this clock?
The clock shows **1:17**
